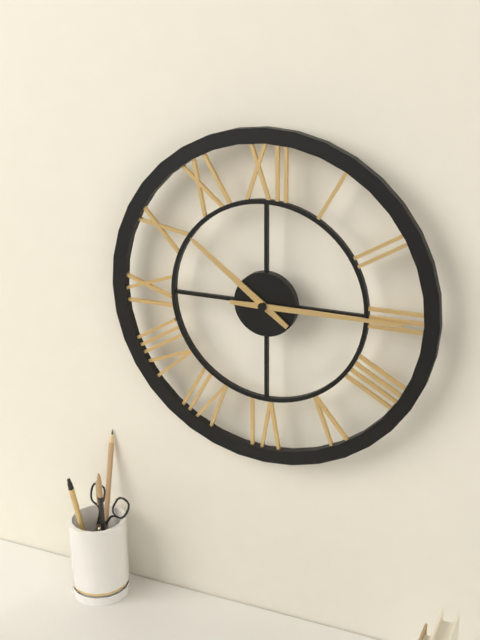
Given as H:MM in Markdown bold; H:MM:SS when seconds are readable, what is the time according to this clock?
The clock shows **10:15**
